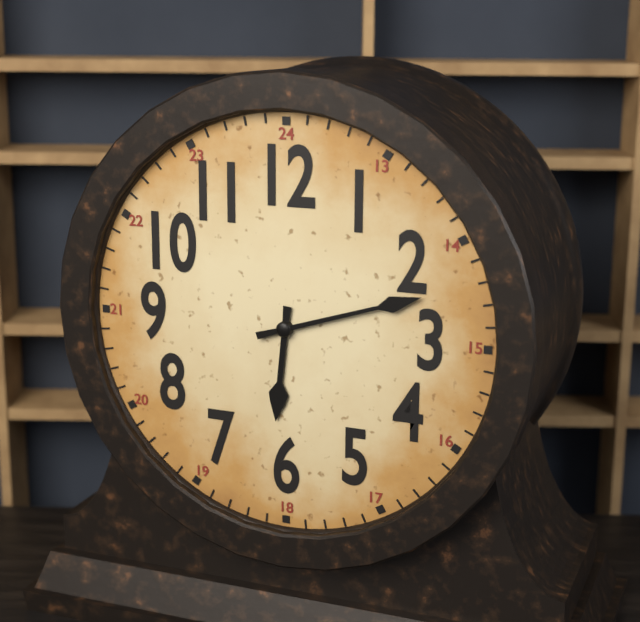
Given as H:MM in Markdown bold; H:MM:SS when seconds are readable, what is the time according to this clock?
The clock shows **6:12**
